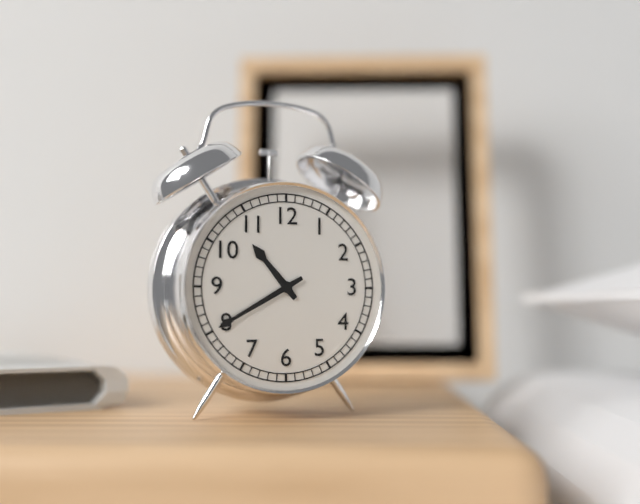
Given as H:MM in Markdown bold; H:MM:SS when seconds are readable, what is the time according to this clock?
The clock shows **10:40**
